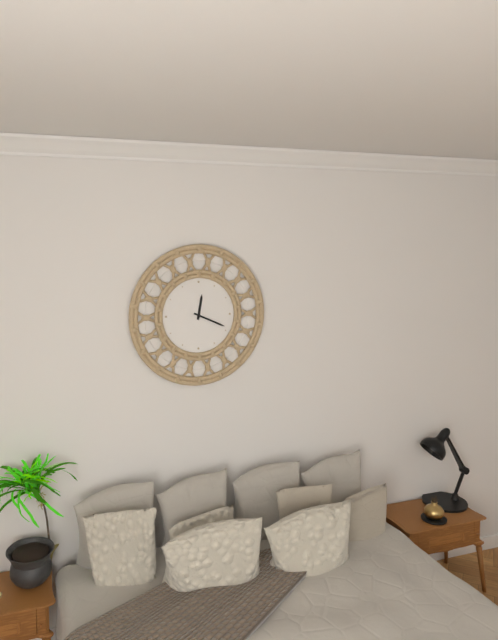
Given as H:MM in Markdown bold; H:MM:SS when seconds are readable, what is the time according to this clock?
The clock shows **12:19**
